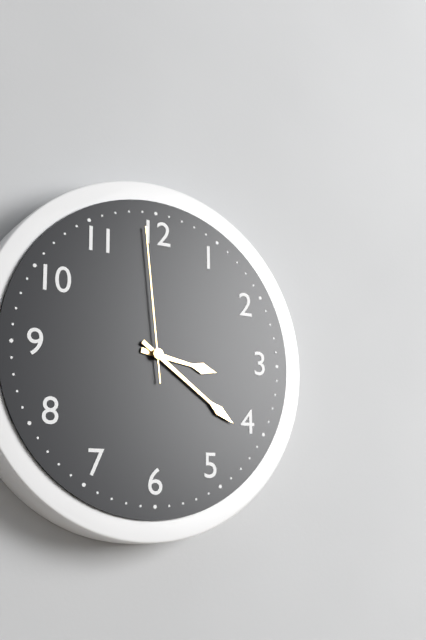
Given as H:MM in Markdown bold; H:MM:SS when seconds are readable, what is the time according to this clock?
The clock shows **3:21:59**
